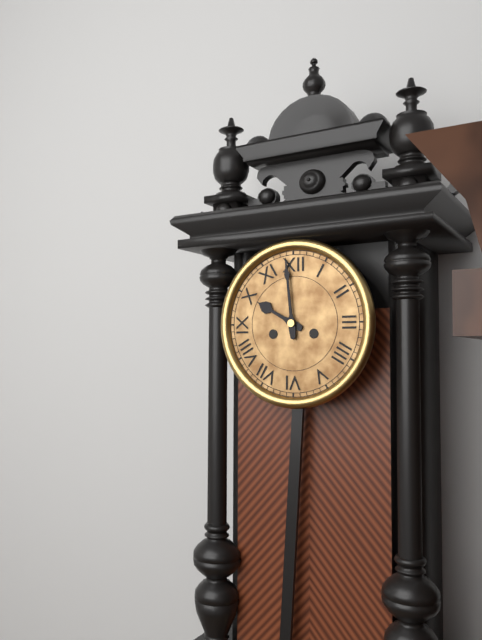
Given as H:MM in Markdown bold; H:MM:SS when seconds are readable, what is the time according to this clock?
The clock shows **9:59**
